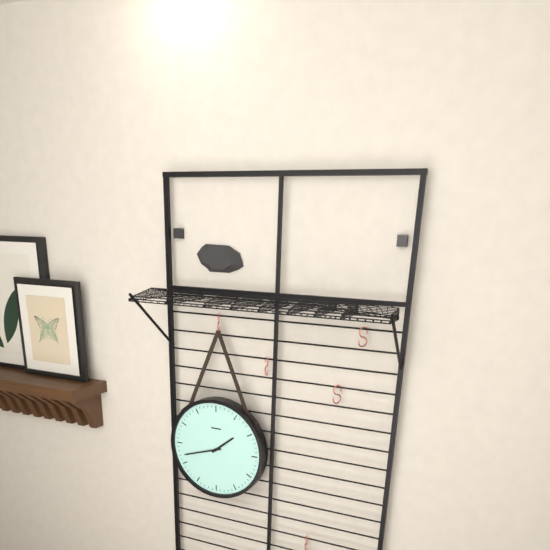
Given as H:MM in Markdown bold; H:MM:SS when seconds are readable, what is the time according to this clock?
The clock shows **1:42**
